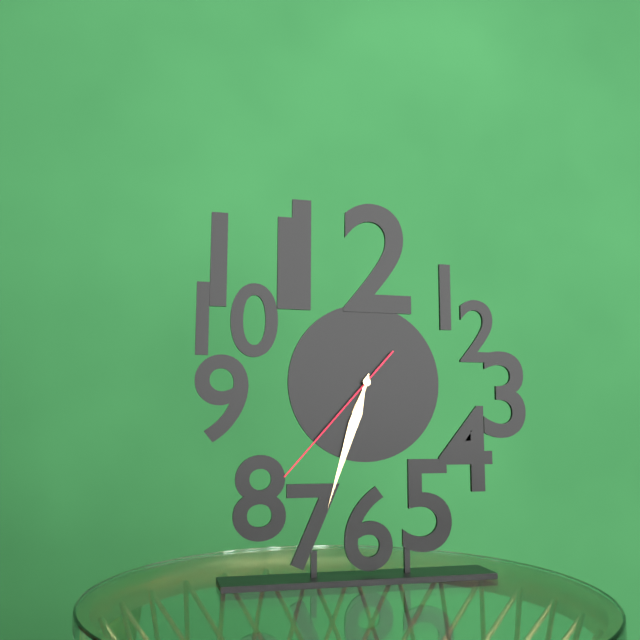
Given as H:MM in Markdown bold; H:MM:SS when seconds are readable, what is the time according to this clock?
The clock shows **6:33:37**
